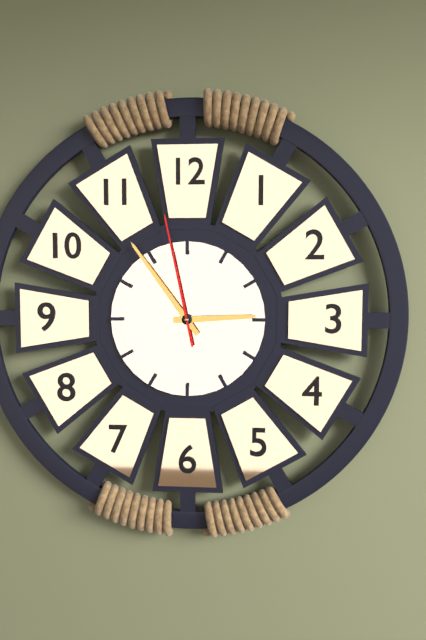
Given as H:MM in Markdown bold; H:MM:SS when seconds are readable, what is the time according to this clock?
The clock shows **2:54:58**
